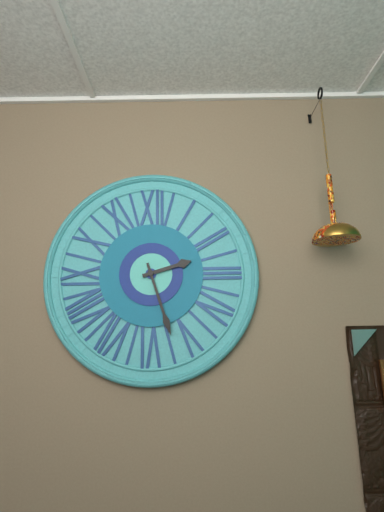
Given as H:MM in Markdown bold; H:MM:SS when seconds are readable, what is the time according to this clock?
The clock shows **2:27**
